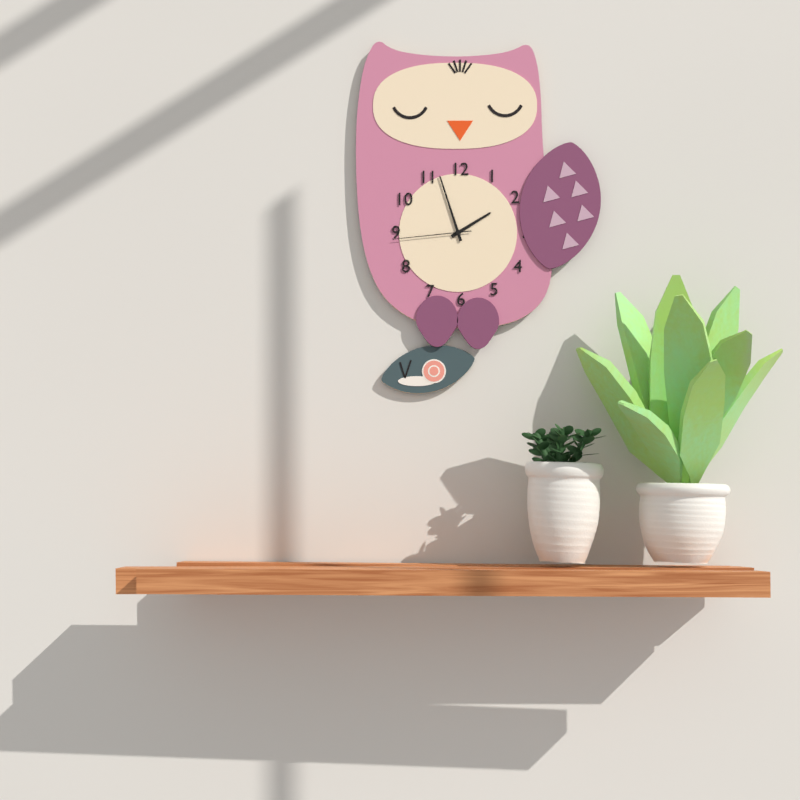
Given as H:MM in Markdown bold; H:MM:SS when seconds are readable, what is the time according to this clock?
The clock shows **1:57:44**
